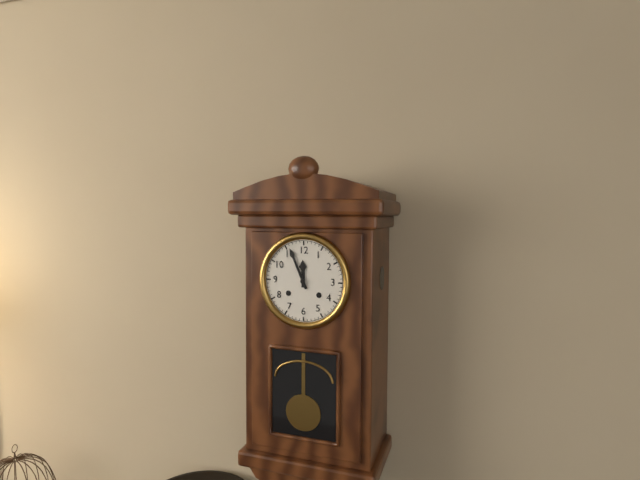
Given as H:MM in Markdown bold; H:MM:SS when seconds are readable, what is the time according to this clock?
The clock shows **11:56**
